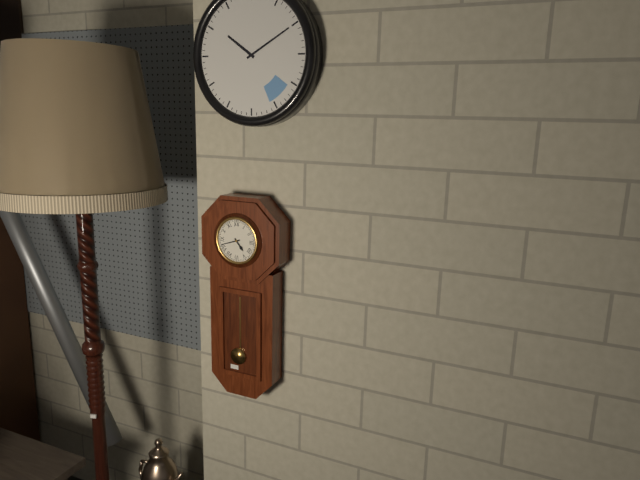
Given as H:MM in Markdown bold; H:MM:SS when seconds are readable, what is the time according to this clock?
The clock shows **4:42**
